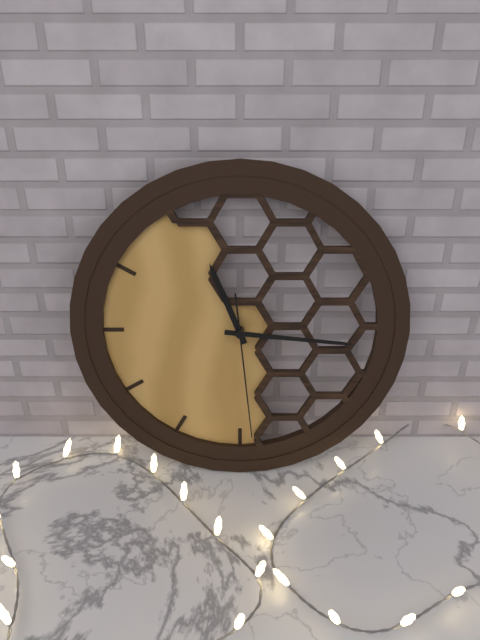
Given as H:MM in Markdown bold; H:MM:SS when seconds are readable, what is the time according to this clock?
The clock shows **11:16:29**
